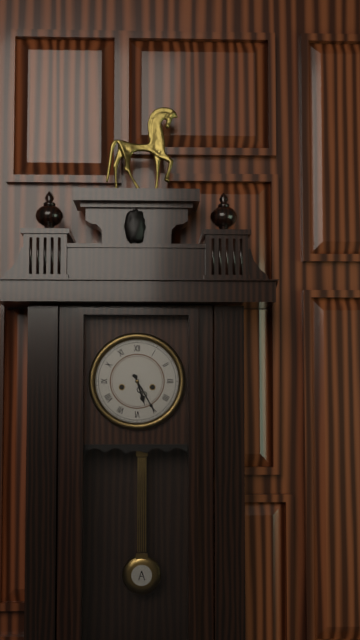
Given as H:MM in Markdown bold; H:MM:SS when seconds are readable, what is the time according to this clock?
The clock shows **5:25**
